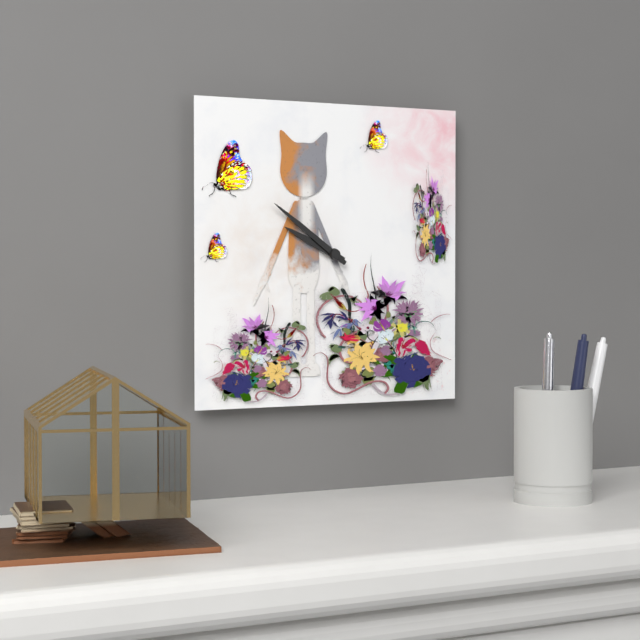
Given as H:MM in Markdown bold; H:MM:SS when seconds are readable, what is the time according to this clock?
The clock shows **9:51**
